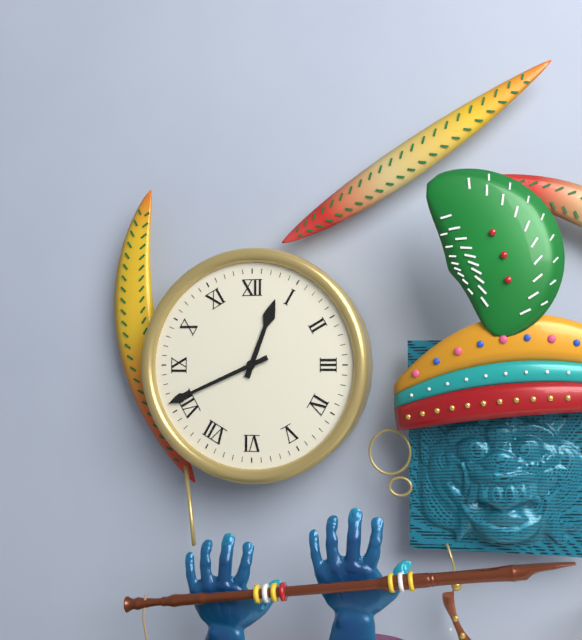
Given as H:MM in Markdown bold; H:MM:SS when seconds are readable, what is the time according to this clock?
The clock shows **12:41**
